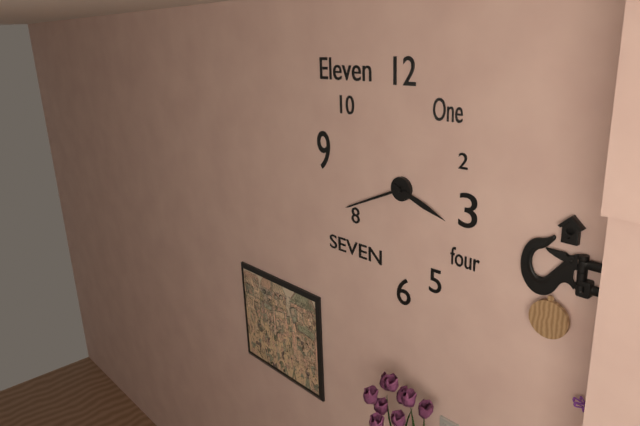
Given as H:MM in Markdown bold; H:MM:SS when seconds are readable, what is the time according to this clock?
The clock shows **3:41**
